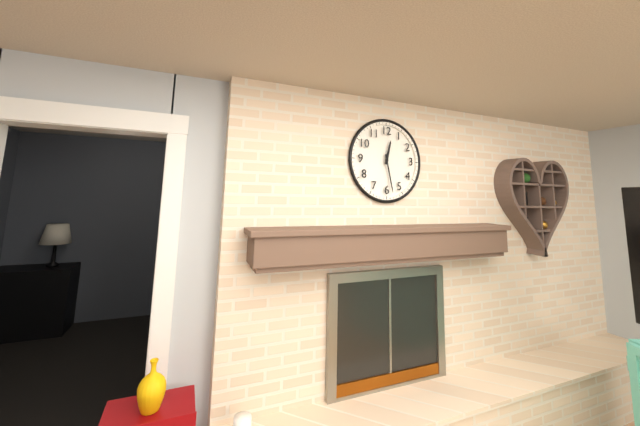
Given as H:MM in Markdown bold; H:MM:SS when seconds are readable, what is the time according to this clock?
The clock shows **12:28**
